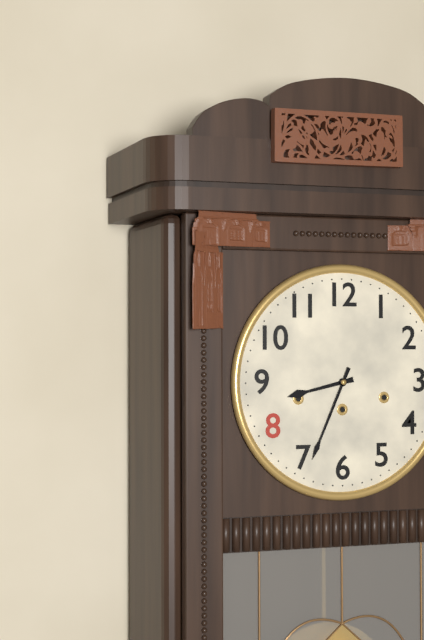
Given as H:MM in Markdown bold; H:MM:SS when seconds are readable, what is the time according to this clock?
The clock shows **8:34**
